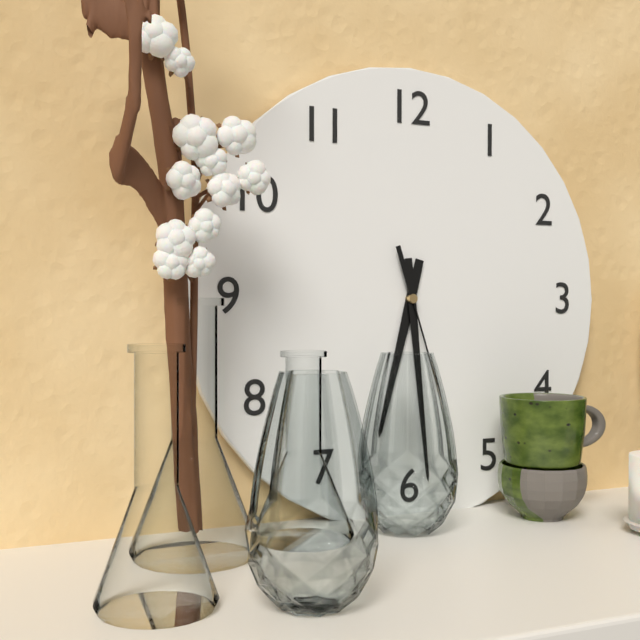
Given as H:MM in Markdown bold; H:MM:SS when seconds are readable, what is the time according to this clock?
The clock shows **6:29**
